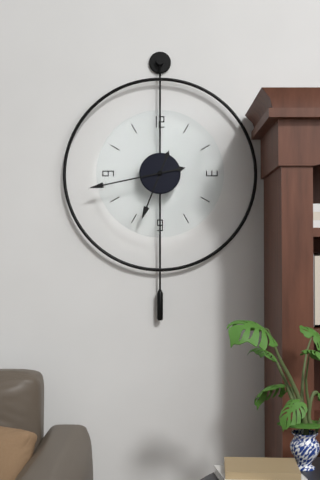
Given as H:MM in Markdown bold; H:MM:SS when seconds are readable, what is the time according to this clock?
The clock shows **6:43**
